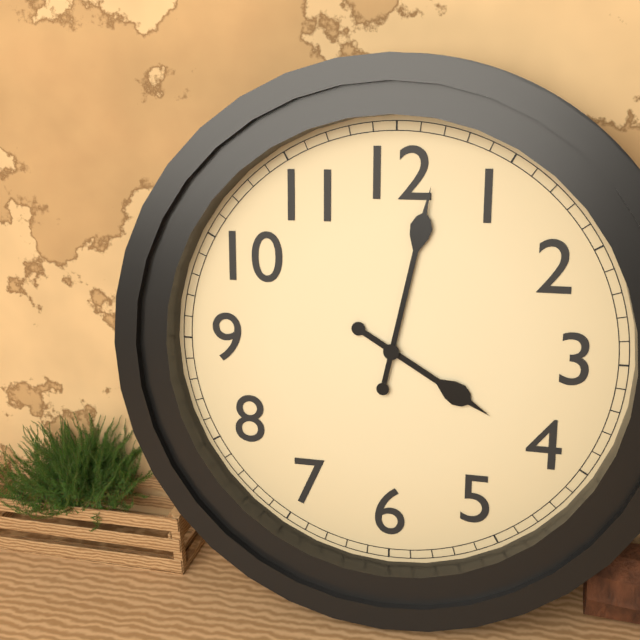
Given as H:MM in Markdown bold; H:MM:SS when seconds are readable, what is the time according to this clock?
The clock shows **4:02**
